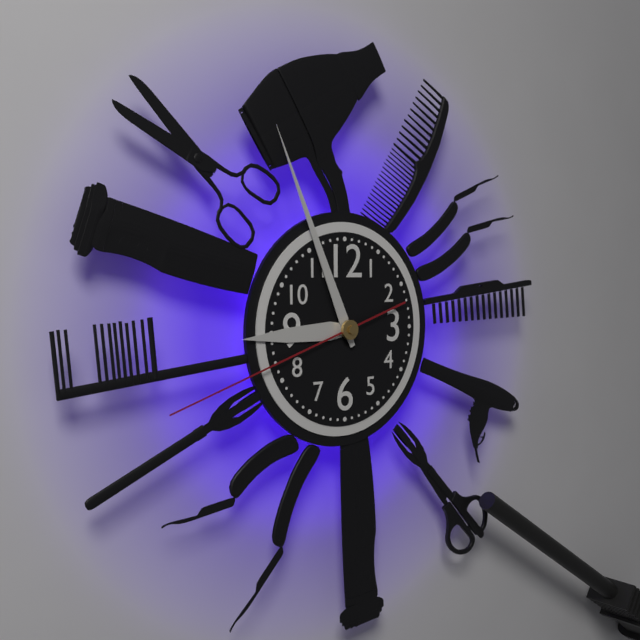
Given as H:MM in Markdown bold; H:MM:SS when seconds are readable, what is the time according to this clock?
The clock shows **8:56:42**
